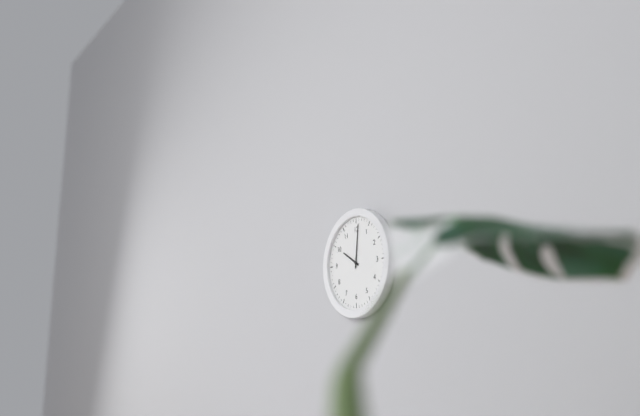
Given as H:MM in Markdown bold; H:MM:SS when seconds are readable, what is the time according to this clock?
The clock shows **10:01**
